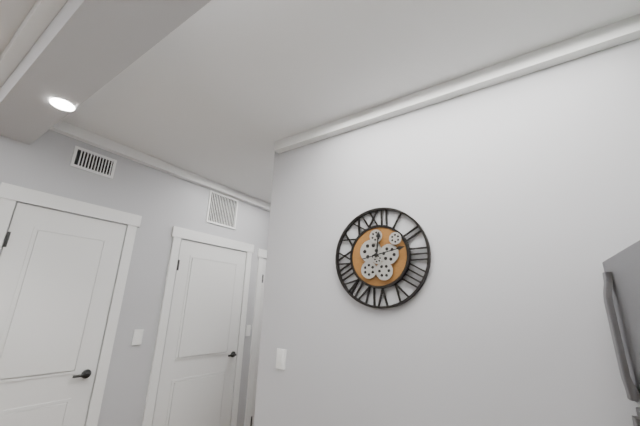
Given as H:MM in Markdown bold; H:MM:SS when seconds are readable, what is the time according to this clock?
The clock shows **12:13**
